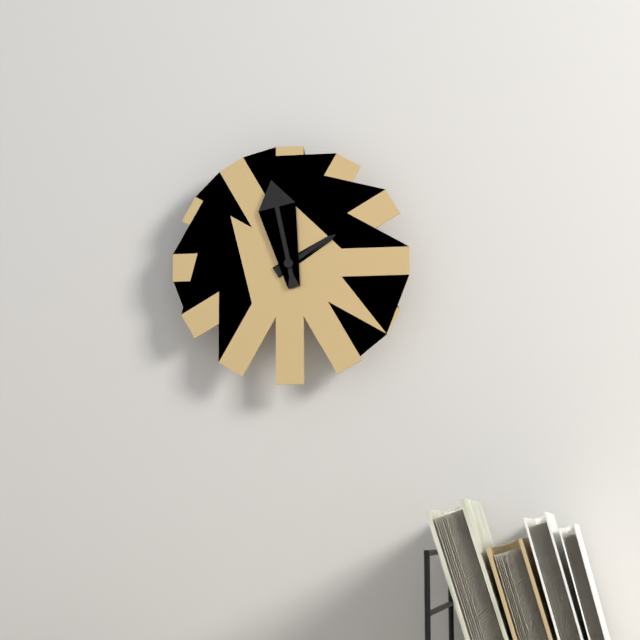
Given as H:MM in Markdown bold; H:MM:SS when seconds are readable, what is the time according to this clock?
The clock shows **1:58**
